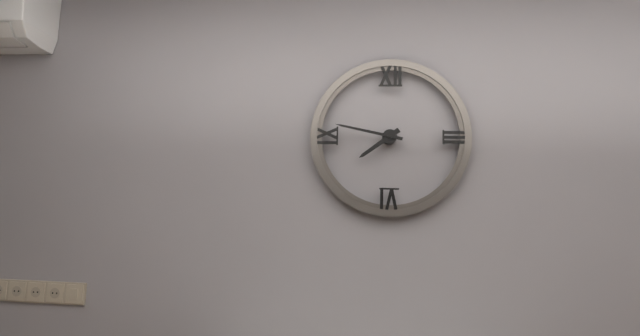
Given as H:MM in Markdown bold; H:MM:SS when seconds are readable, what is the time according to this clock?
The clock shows **7:47**
